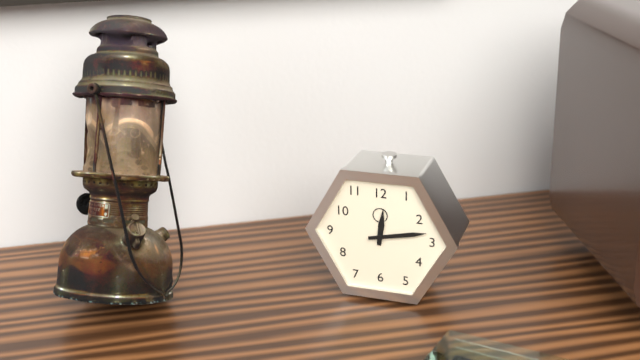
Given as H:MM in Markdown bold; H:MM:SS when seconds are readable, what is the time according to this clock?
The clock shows **12:13**
